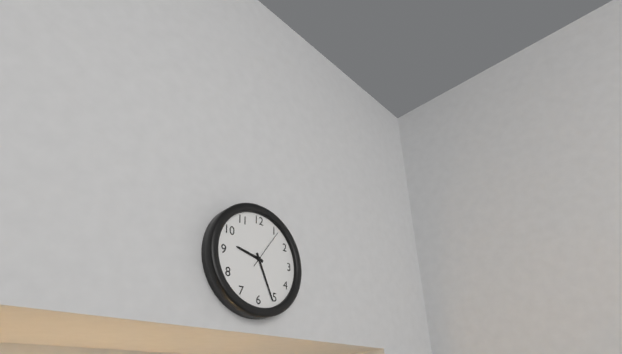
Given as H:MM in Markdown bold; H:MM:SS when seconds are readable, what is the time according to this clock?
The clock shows **9:26**
